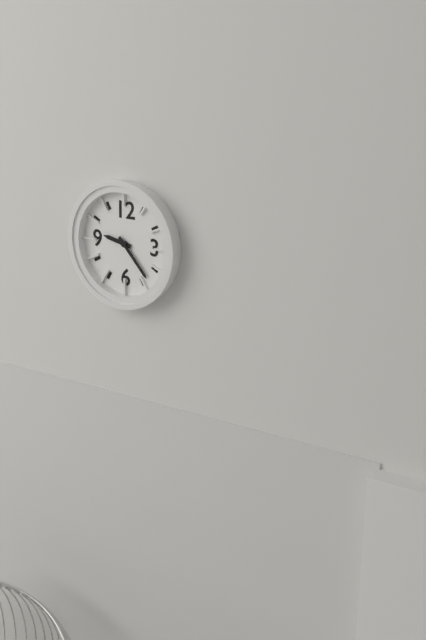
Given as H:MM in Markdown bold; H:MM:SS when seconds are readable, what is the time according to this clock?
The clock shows **9:23**
